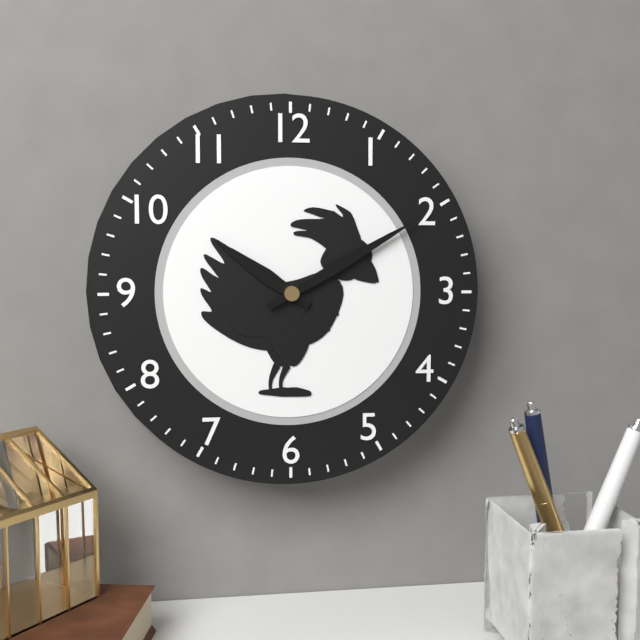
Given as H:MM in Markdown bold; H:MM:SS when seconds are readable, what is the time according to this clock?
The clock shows **10:10**
